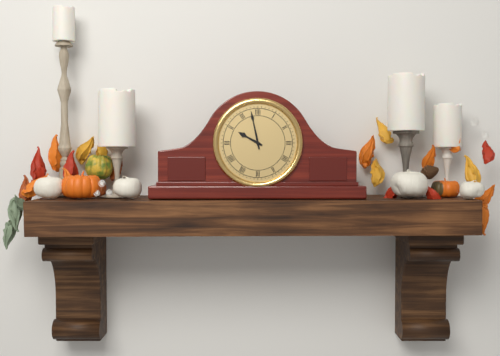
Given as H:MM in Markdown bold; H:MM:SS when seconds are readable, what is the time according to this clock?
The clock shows **9:58**
